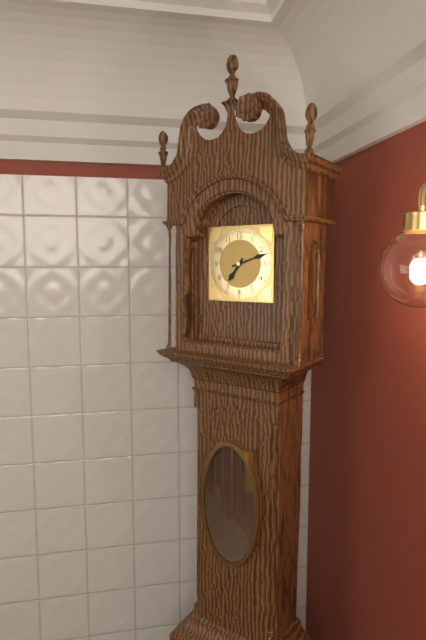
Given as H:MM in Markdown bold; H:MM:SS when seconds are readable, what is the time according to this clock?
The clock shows **7:12**
